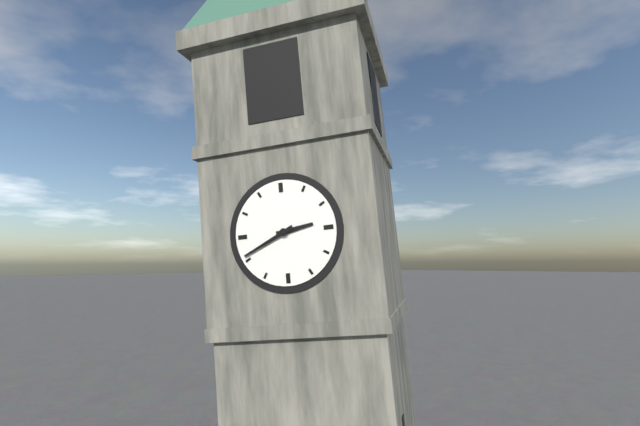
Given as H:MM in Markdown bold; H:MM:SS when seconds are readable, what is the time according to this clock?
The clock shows **2:41**
